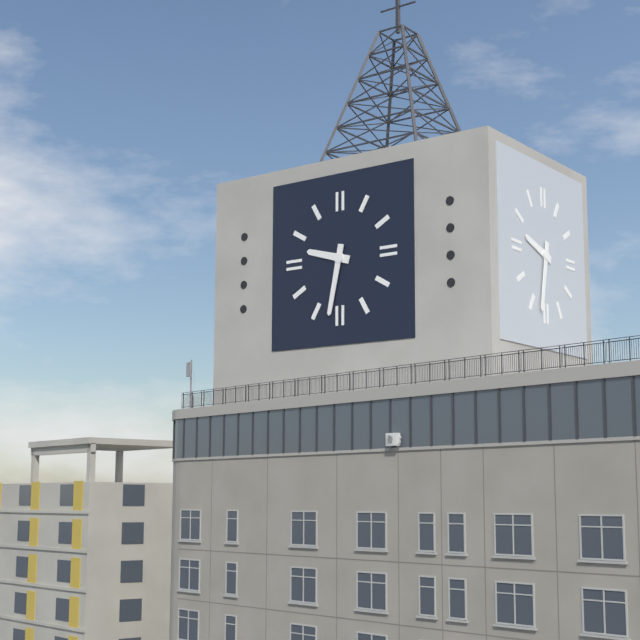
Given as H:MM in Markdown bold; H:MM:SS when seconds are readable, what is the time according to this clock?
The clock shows **9:32**
